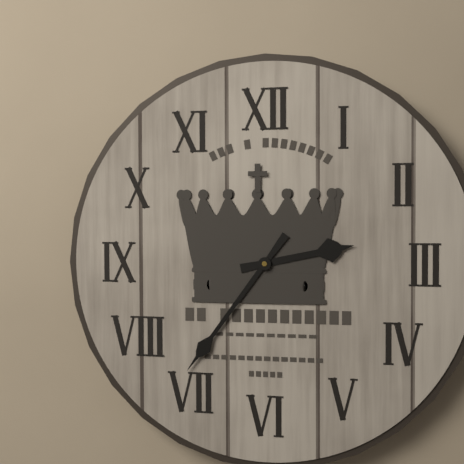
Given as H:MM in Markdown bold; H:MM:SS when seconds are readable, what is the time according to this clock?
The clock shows **2:36**
